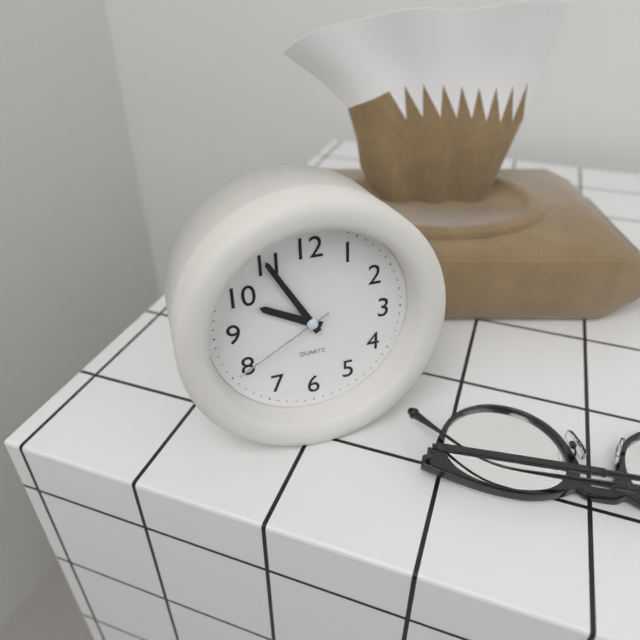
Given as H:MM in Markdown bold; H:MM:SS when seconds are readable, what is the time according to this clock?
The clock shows **9:55:40**
